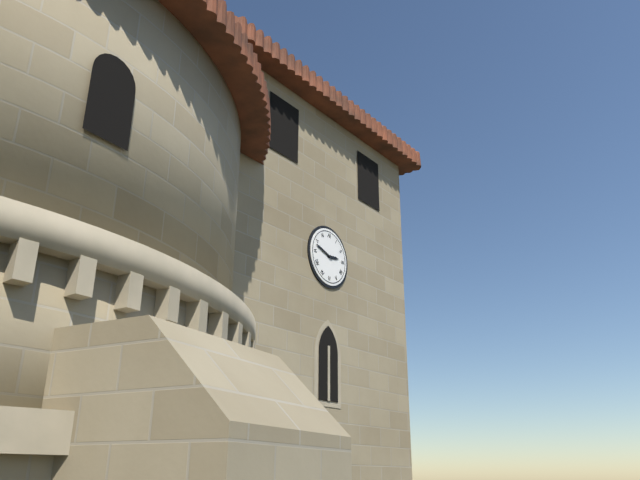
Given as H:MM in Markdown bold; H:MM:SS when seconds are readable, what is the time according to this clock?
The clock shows **2:48**
